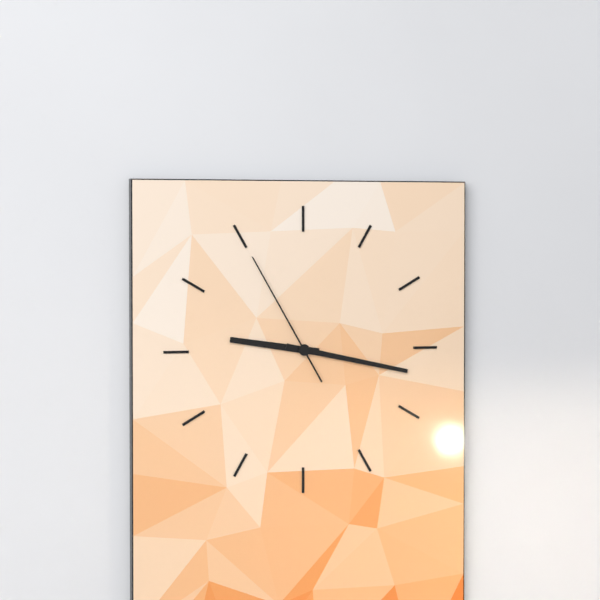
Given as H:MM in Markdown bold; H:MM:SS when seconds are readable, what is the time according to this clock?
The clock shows **9:17:55**
